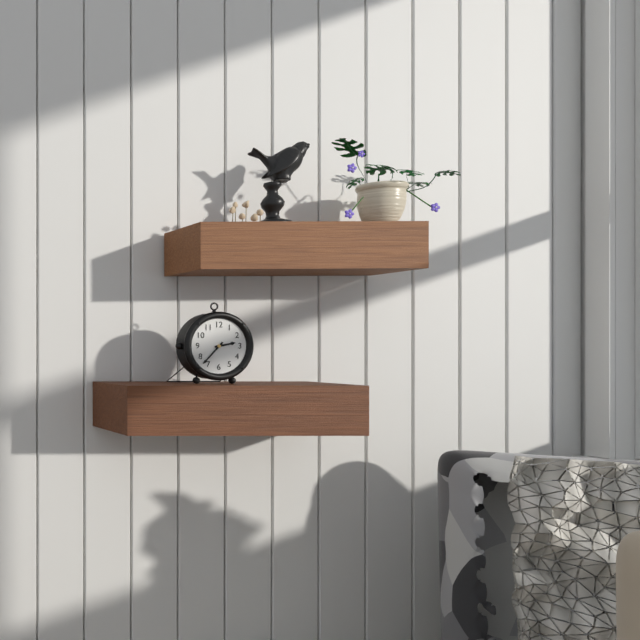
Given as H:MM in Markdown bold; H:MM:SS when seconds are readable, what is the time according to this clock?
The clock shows **2:37**
